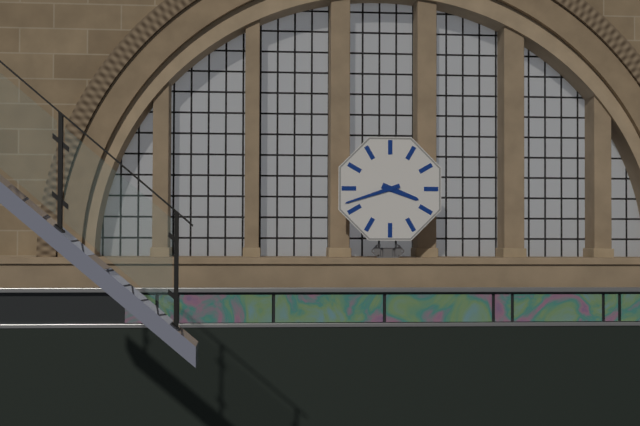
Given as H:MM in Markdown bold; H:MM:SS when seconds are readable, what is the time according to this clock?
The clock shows **3:42**
